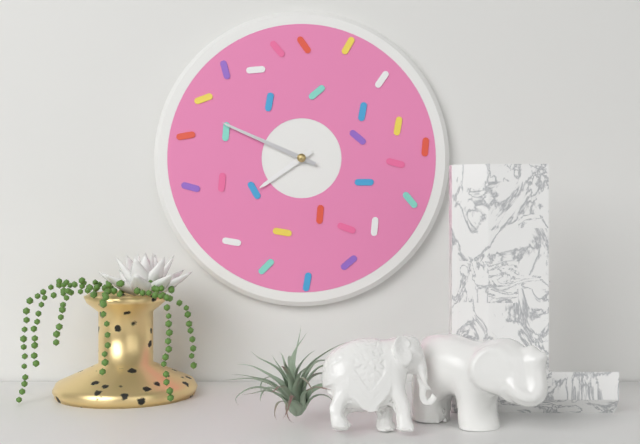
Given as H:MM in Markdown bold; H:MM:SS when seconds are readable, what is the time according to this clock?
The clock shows **7:49**
